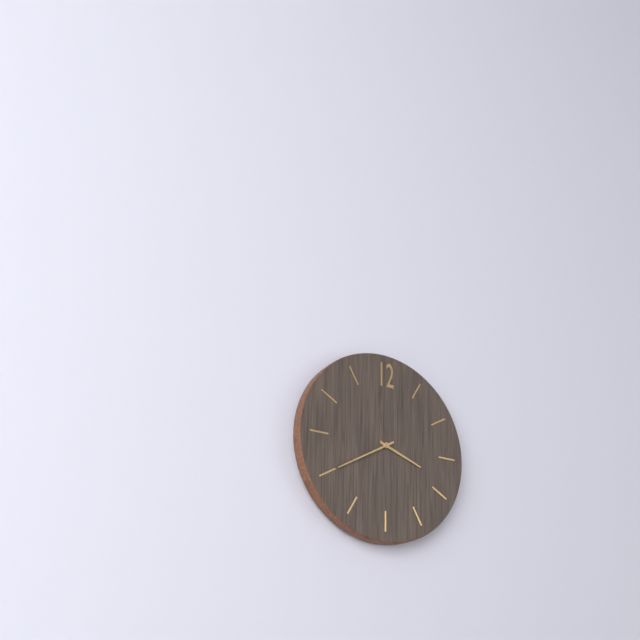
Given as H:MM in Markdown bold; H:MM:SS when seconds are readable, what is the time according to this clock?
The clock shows **3:40**
